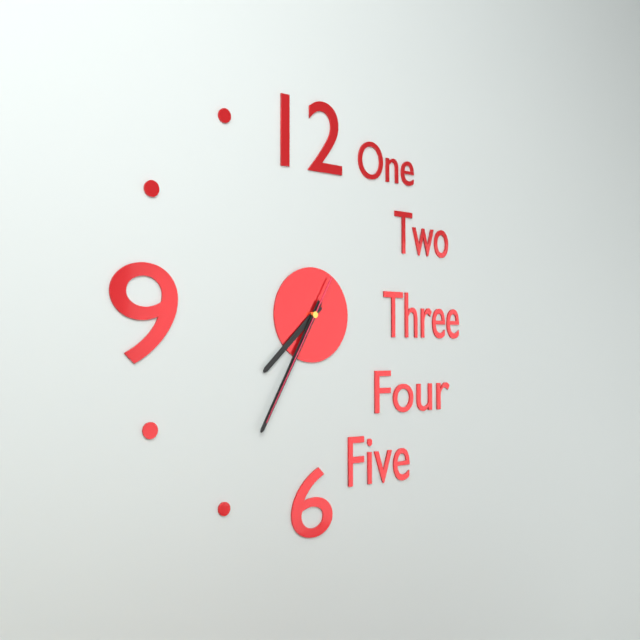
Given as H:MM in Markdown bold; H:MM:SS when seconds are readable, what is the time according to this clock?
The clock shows **7:35:35**
